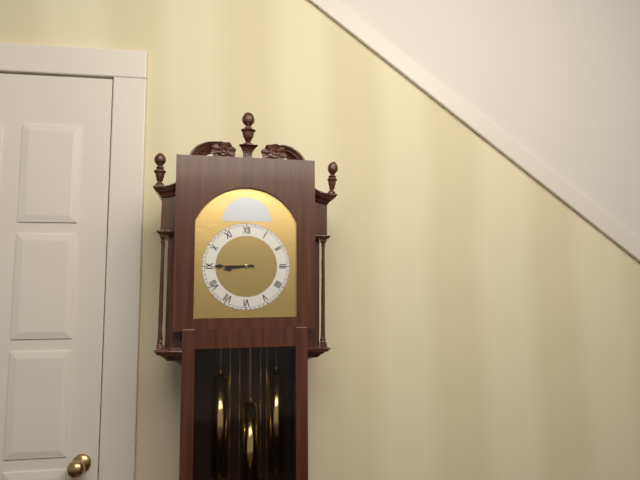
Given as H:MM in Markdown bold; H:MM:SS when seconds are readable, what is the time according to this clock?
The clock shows **8:45**
